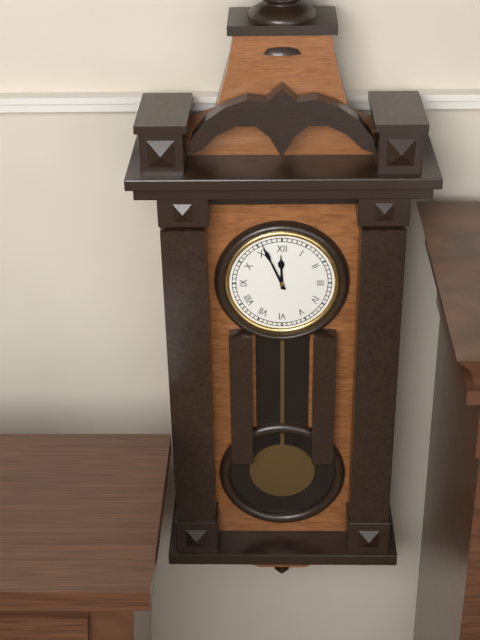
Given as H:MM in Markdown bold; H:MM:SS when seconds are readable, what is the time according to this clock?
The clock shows **11:56**
